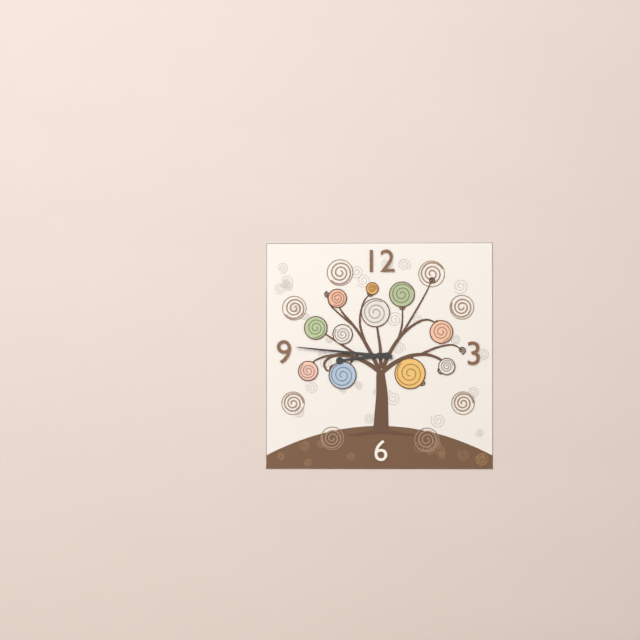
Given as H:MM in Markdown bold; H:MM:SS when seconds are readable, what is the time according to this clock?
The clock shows **8:46**
